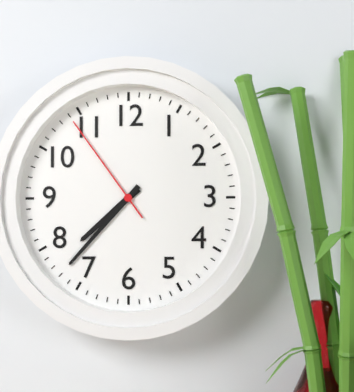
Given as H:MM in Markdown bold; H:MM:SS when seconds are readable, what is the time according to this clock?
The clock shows **7:37:54**
